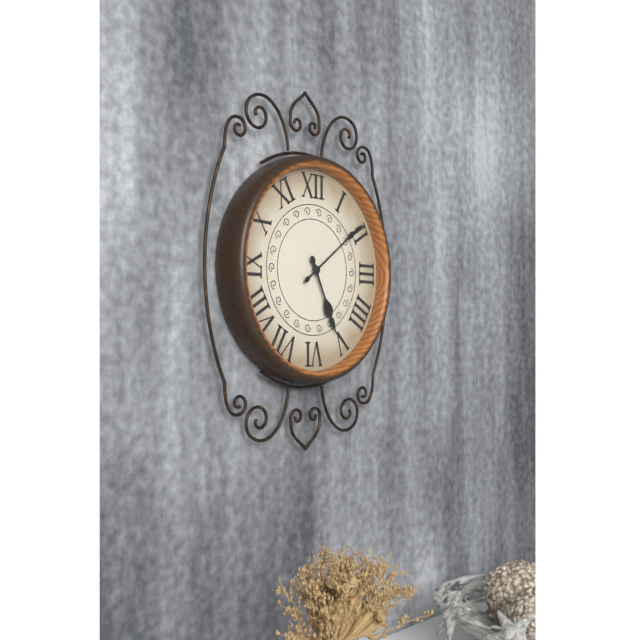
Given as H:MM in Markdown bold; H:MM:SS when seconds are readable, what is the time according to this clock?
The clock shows **5:09**
